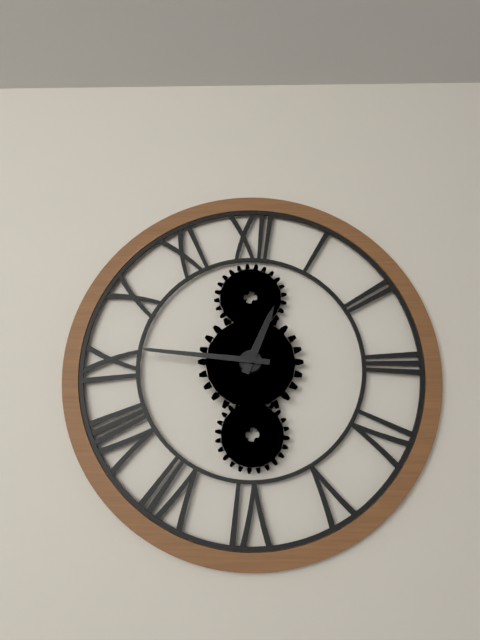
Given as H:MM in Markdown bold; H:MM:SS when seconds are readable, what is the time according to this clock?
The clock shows **12:46**
